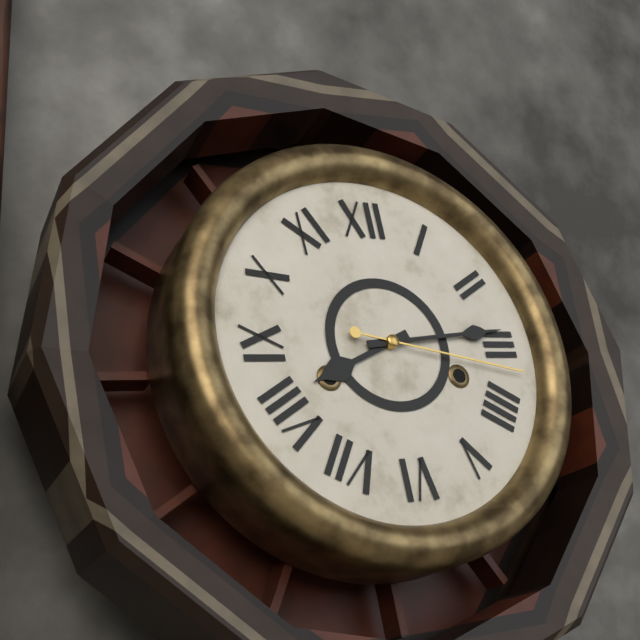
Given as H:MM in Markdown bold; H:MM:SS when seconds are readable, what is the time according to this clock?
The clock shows **8:14:17**
